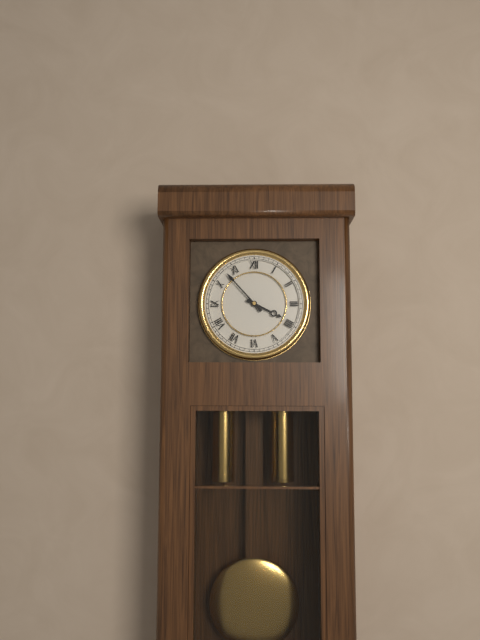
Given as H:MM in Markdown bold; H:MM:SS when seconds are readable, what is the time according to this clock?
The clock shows **3:53**
